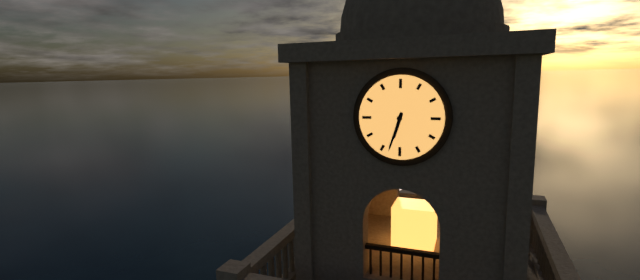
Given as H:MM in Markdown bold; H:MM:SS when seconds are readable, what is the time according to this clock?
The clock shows **6:33**
